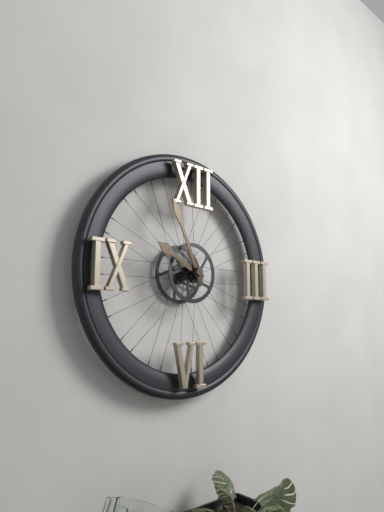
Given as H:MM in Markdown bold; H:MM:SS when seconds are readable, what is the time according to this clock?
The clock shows **9:56**
